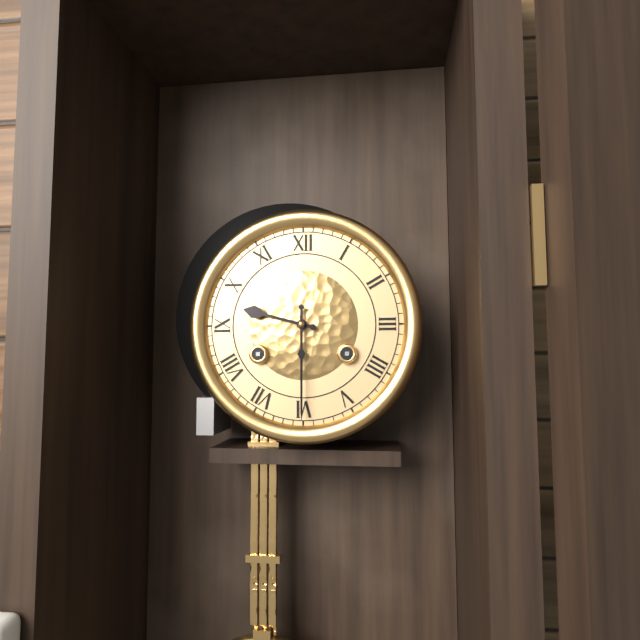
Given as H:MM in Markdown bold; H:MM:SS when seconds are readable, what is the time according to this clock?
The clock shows **9:30**
